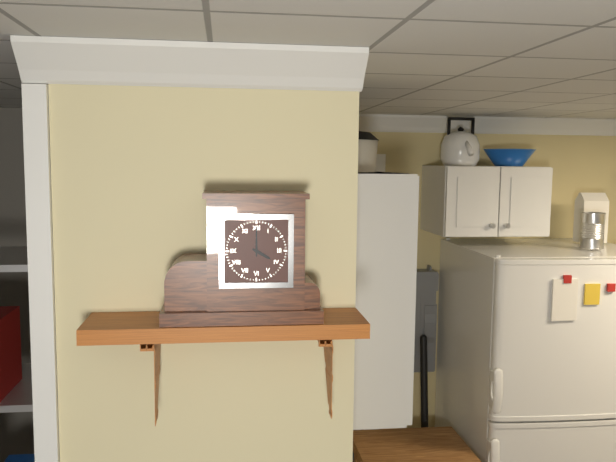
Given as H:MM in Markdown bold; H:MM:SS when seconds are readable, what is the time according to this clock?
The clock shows **4:00**
